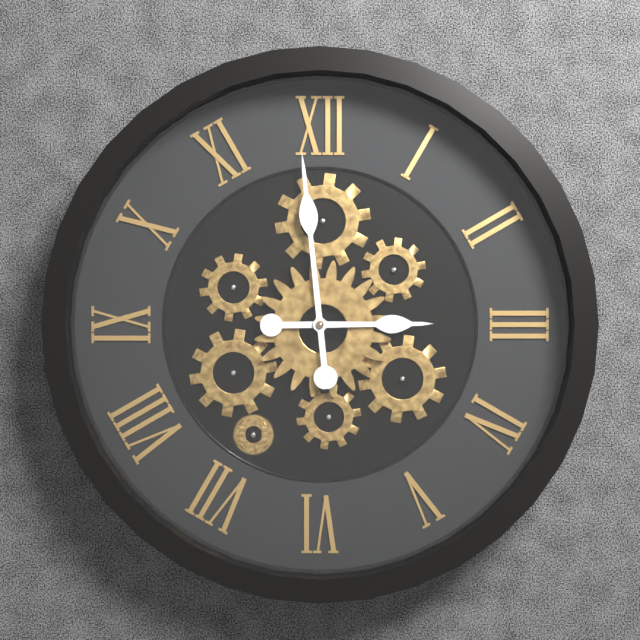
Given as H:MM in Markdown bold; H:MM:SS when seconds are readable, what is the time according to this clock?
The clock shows **2:59**
